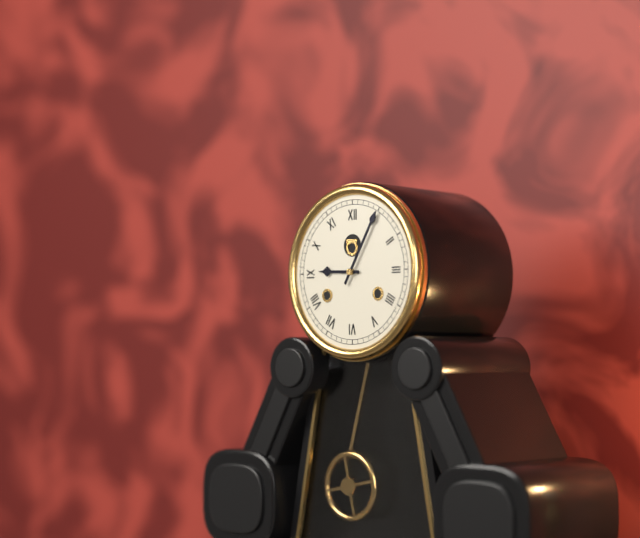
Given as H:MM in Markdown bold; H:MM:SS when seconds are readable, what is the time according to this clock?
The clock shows **9:05**
